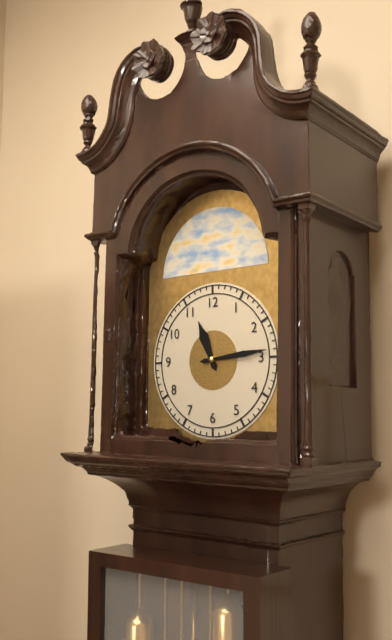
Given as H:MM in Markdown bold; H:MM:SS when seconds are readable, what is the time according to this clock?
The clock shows **11:14**
